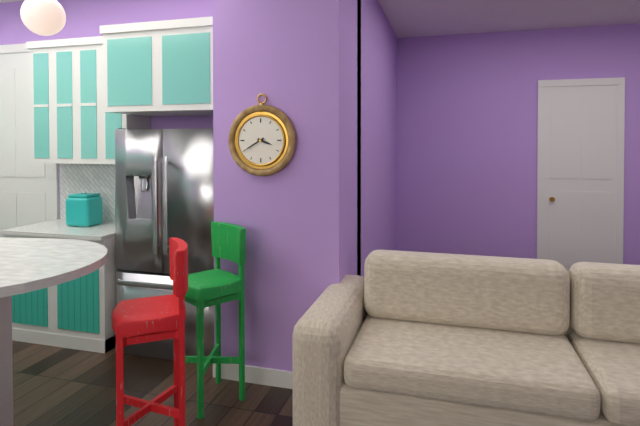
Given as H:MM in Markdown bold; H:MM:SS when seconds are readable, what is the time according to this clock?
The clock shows **3:40**
